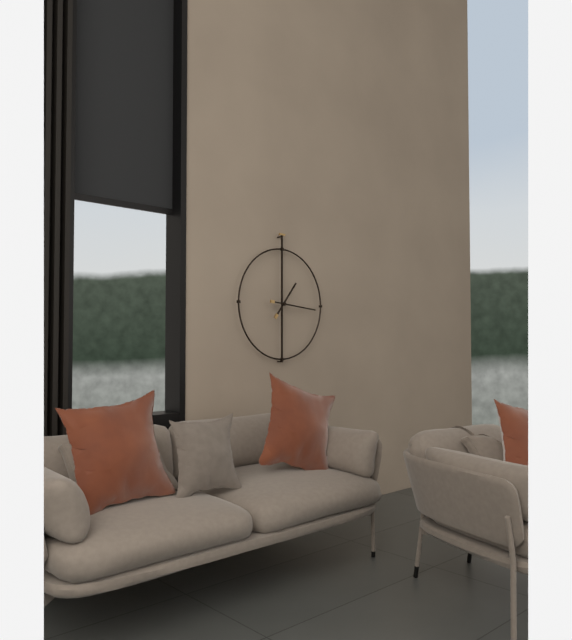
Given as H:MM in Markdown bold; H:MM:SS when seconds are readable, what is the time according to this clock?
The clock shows **1:16**
